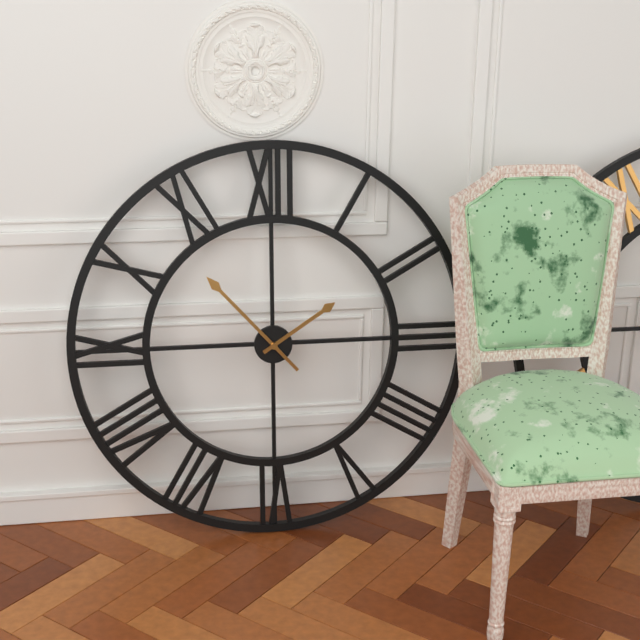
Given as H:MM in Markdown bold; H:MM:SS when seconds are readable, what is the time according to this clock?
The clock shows **1:53**
